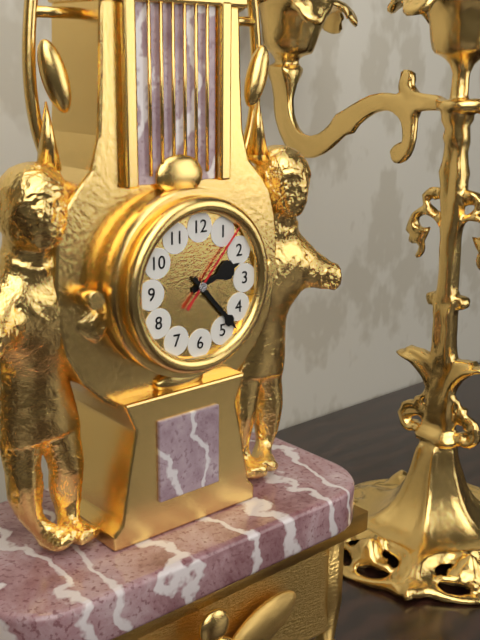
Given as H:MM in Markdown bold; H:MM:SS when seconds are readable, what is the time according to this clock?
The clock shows **2:23:07**
